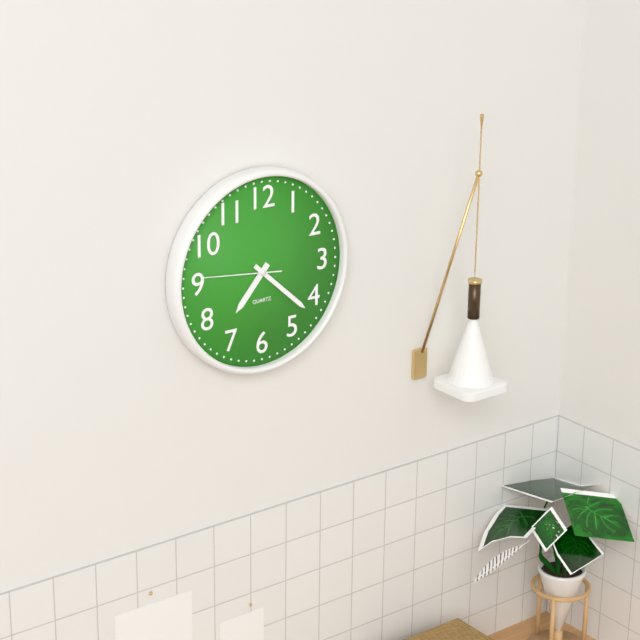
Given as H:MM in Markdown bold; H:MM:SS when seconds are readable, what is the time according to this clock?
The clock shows **7:22:46**
